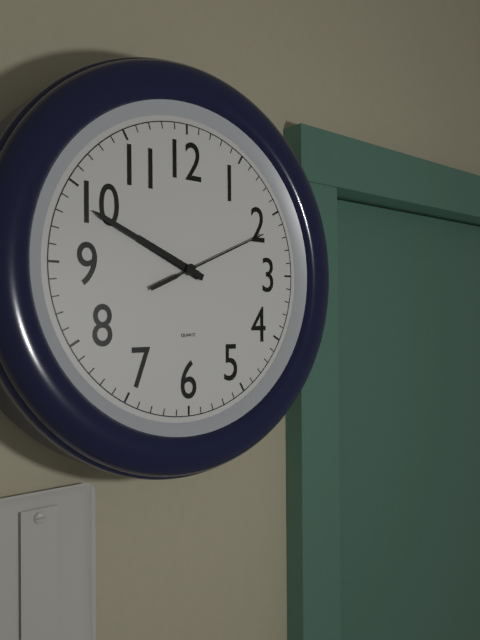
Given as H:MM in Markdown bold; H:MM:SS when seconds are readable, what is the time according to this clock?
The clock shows **9:49:11**
